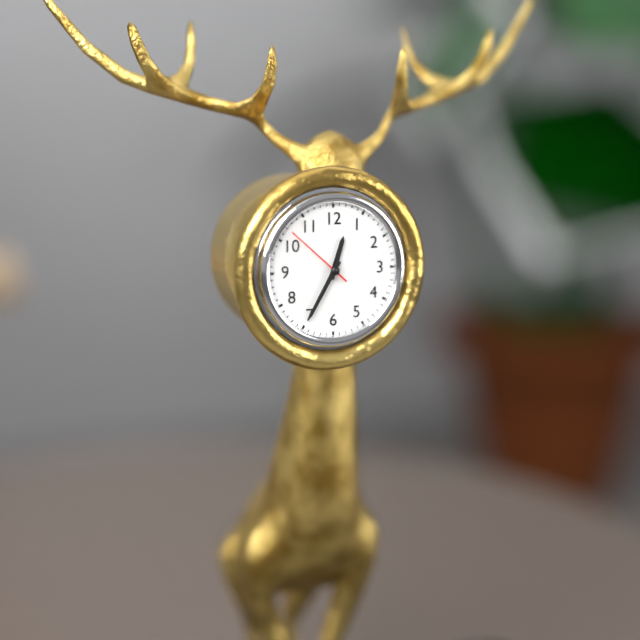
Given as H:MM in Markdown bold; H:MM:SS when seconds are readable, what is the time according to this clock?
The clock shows **12:35:52**
